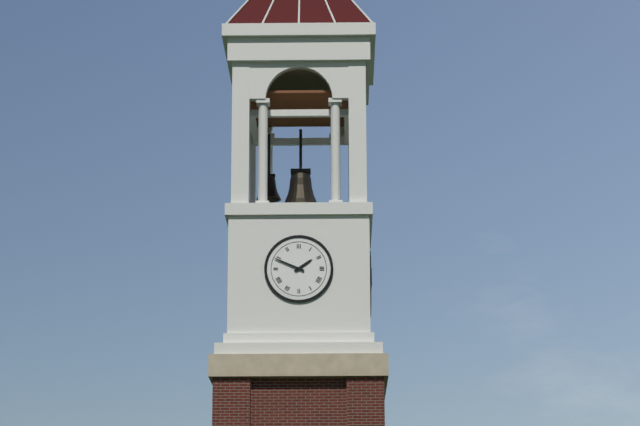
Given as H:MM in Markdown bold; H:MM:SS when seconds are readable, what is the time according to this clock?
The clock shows **1:49**
